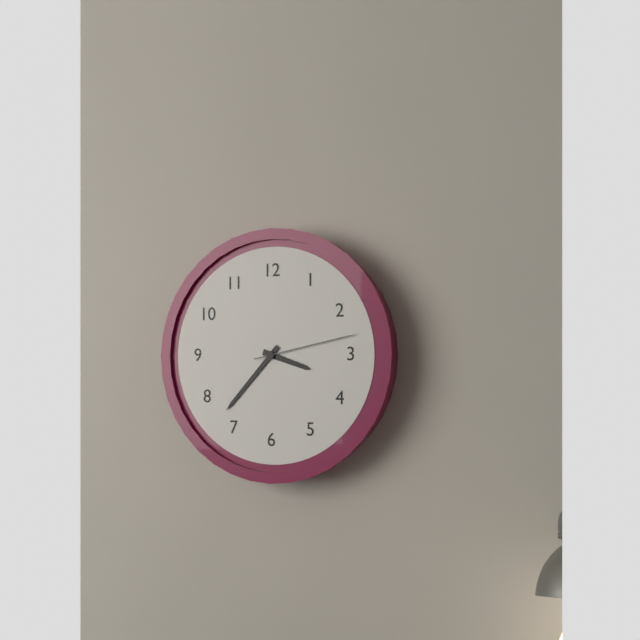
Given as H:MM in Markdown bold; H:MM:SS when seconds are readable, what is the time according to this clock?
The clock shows **3:37:13**
